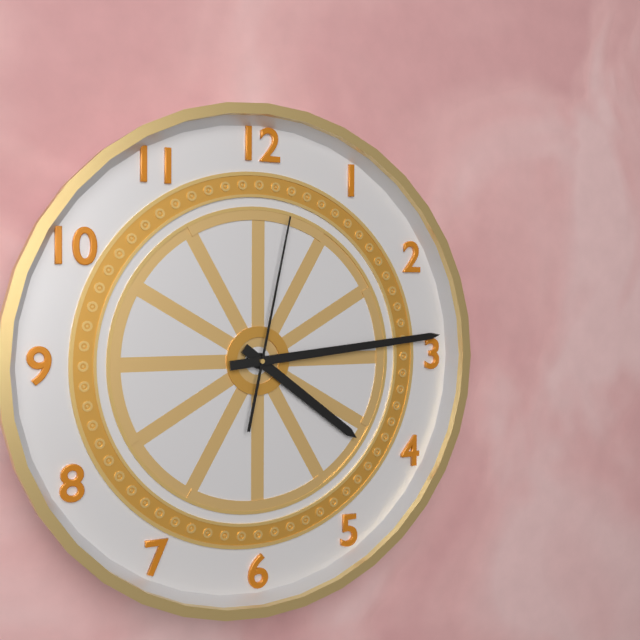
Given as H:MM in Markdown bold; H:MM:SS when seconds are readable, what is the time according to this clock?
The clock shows **4:14:02**
